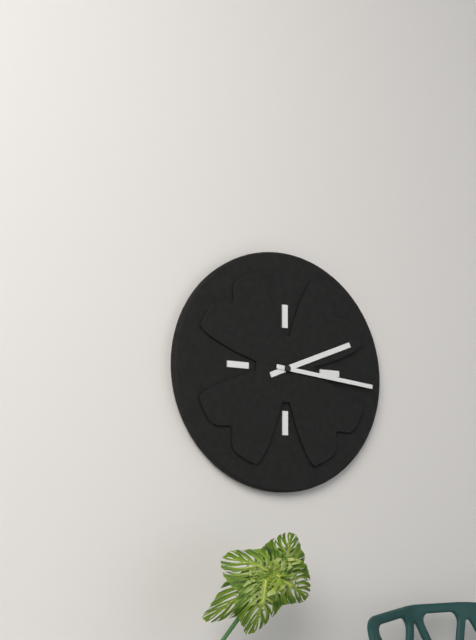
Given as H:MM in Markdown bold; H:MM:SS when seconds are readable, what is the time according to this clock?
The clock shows **2:16**
